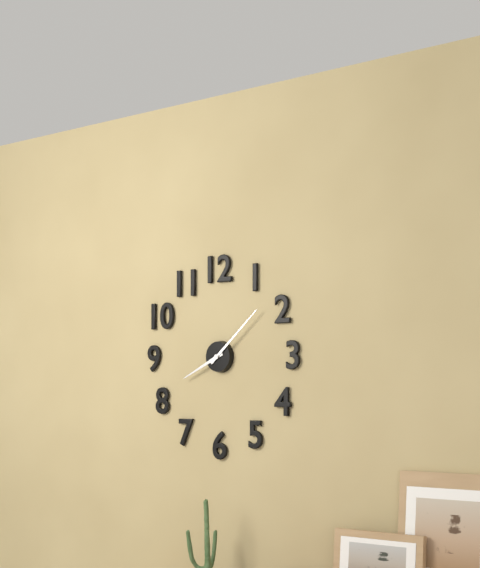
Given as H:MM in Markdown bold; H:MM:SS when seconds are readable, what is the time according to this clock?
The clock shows **8:08**
